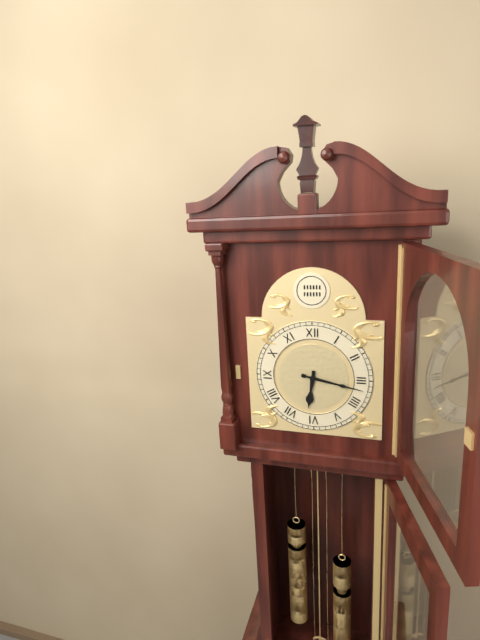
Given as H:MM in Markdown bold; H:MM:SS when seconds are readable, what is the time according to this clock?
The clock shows **6:17**
